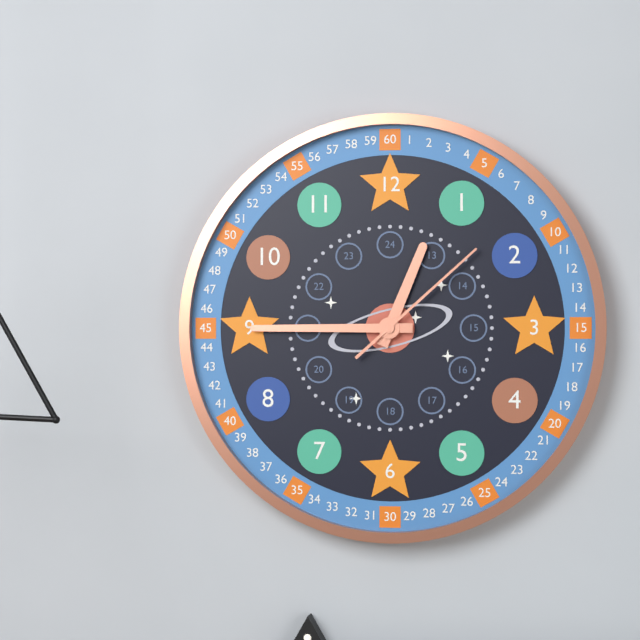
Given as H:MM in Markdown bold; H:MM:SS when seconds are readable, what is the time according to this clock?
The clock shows **12:45:08**
